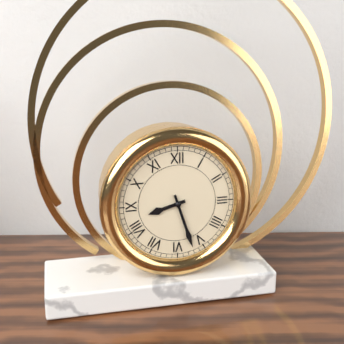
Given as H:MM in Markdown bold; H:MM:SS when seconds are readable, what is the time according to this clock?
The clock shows **8:27**
